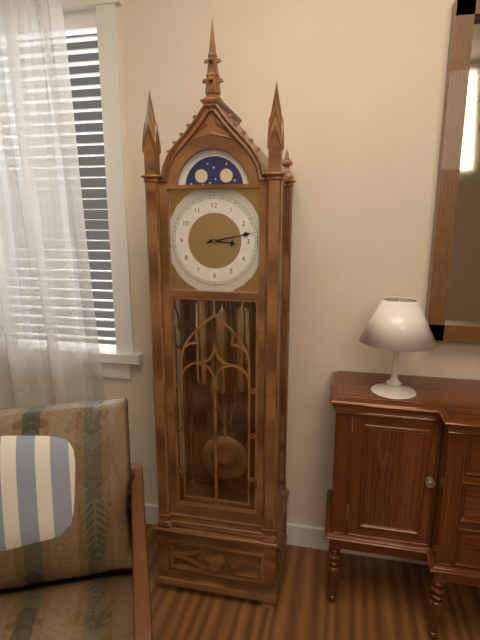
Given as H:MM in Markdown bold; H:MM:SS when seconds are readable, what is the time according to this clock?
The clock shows **3:13**
